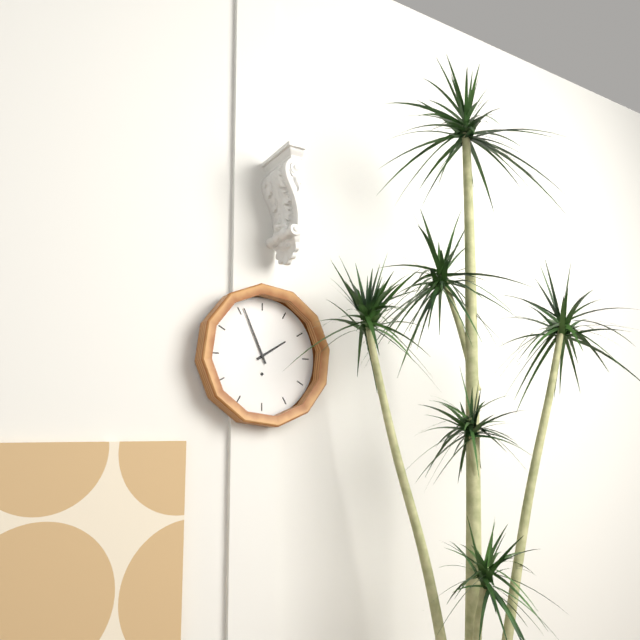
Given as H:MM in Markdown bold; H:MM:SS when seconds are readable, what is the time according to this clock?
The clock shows **1:56**
